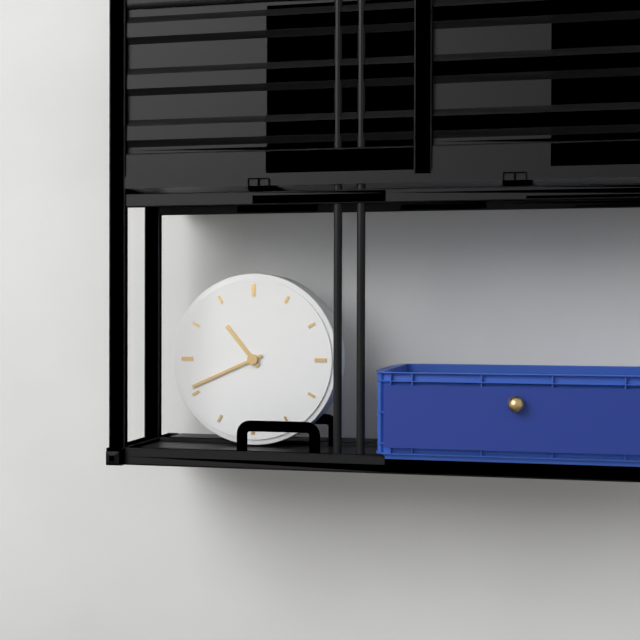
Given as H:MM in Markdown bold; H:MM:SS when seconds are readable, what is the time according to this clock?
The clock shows **10:41**
